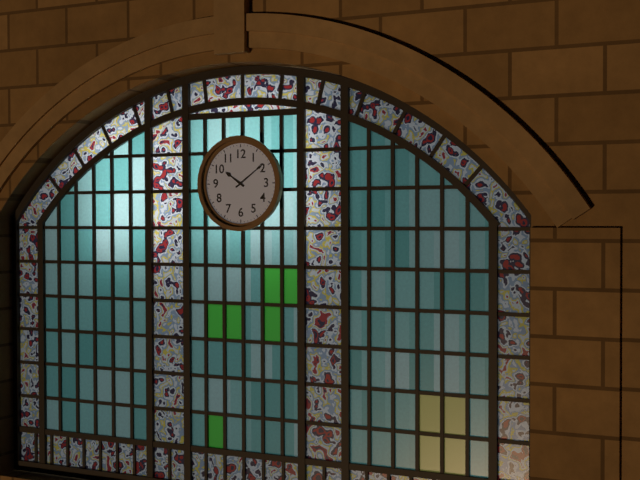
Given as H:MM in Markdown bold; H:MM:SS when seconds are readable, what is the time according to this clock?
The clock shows **10:09**
